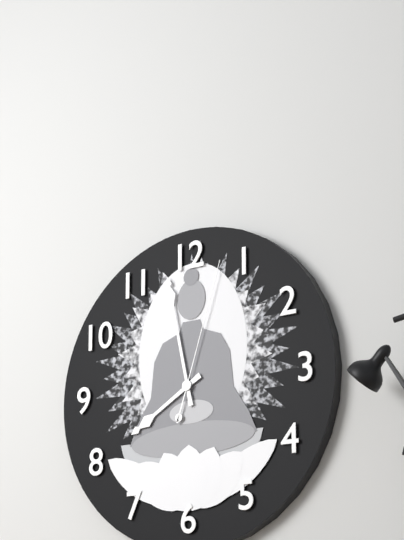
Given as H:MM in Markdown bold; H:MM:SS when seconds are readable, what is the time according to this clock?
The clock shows **7:58:03**
